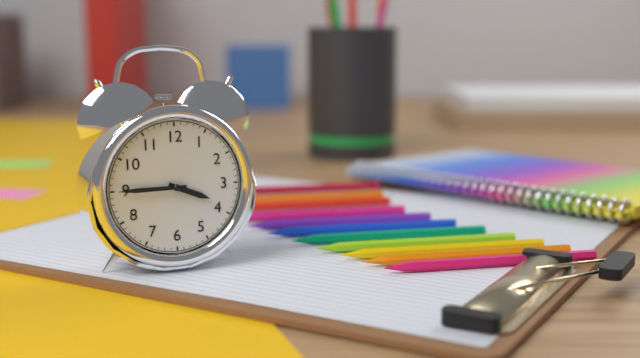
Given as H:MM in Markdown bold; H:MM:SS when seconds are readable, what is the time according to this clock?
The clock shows **3:45**
